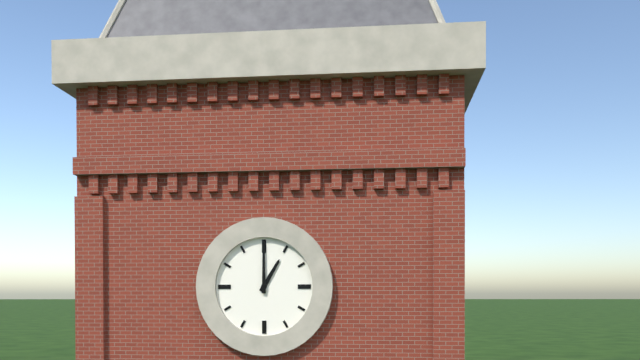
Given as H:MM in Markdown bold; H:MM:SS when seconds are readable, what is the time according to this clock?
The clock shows **1:00**
